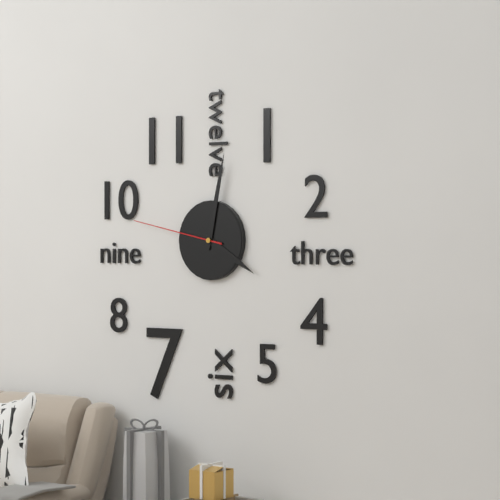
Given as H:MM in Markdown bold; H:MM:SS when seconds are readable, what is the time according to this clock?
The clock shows **4:02:47**
